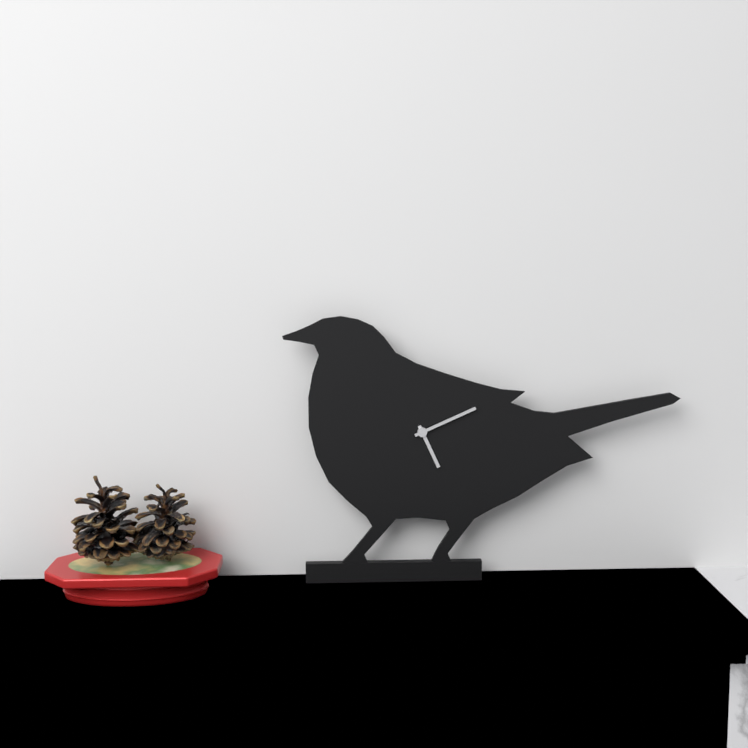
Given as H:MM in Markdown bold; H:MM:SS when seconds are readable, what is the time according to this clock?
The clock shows **5:11**
